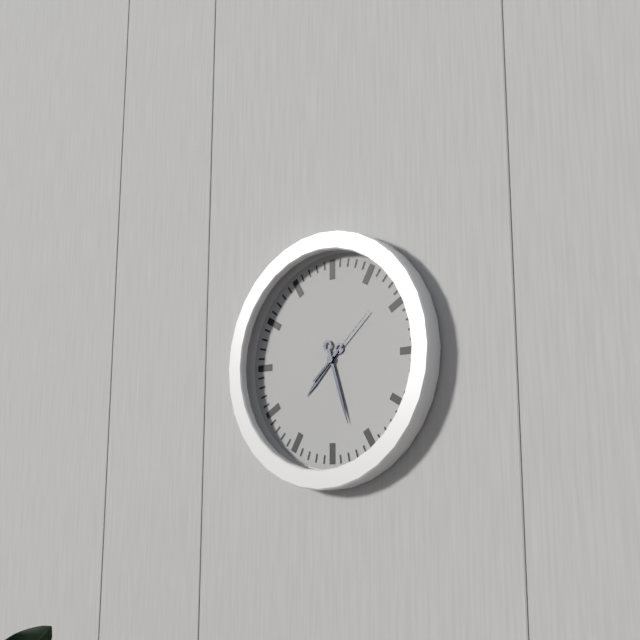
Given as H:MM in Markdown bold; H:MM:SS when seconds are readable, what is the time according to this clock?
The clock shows **7:27:08**
